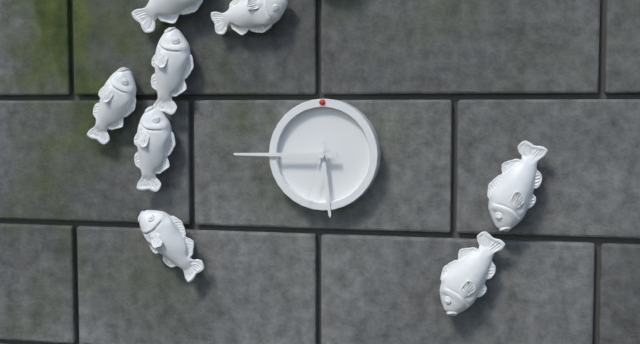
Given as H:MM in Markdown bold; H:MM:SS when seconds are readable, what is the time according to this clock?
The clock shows **5:45:33**
